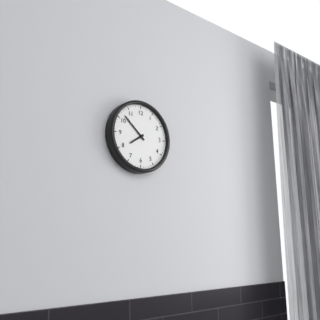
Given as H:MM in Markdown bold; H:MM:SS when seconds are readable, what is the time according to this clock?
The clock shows **7:52**
